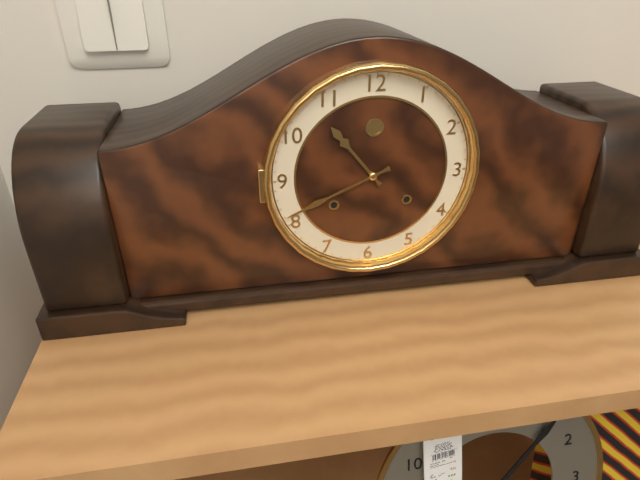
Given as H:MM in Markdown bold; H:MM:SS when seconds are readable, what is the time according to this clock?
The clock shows **10:41**
